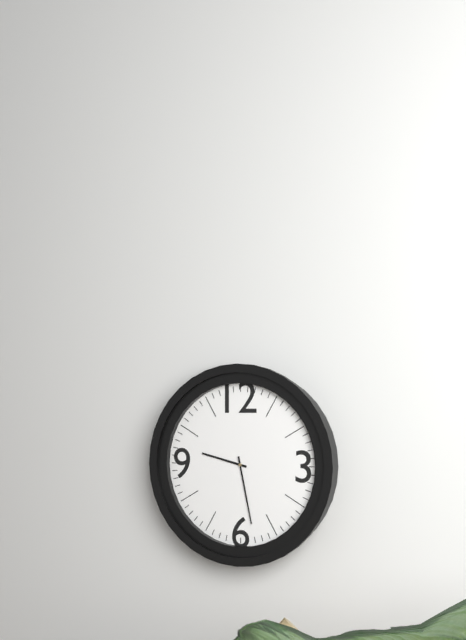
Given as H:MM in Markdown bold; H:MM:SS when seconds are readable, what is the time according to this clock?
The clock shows **9:28**
